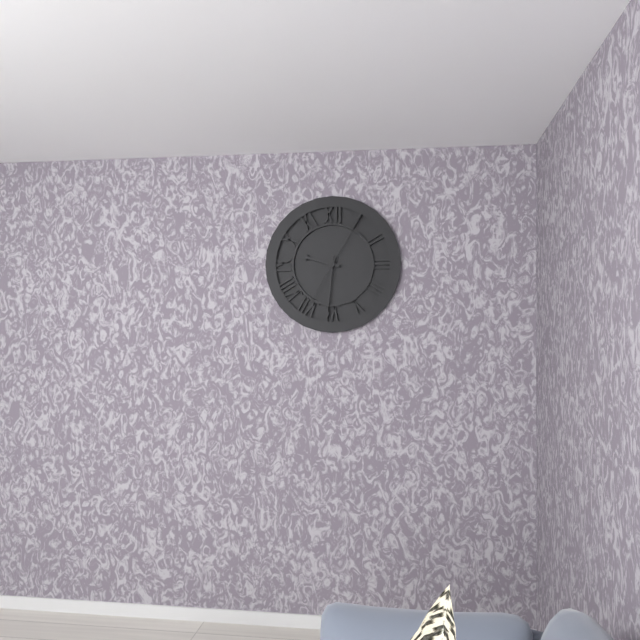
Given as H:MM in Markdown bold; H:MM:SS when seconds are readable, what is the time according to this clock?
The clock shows **9:31:05**
